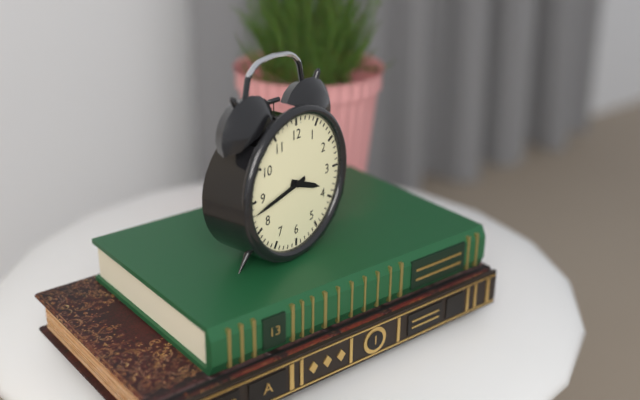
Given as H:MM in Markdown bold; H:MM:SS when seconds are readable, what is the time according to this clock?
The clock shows **3:43**
